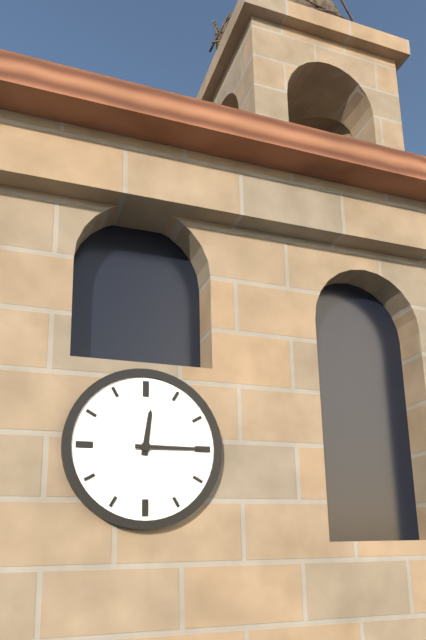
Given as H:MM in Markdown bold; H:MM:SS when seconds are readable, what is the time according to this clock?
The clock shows **12:15**
